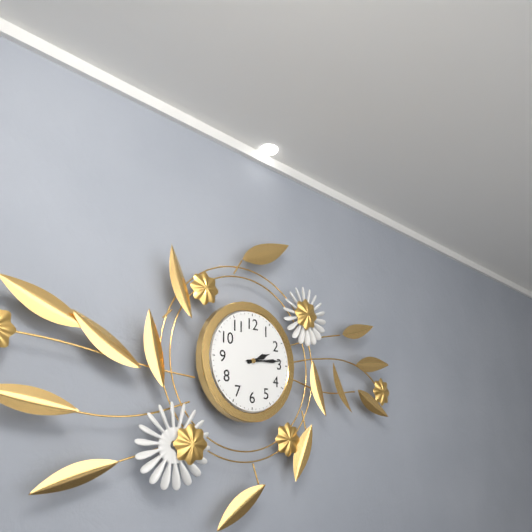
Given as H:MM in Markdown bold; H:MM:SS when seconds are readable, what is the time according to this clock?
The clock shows **2:14**
